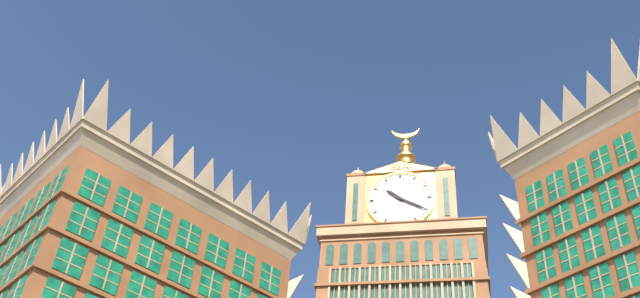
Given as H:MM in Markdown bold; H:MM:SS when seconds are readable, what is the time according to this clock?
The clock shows **10:20**
